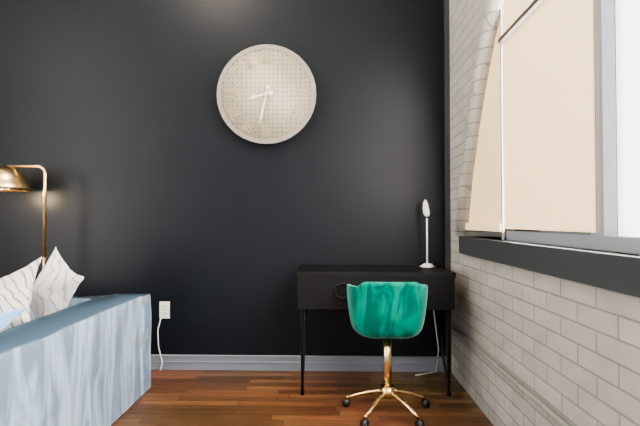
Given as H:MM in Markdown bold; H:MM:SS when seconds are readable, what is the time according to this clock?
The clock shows **8:32**
